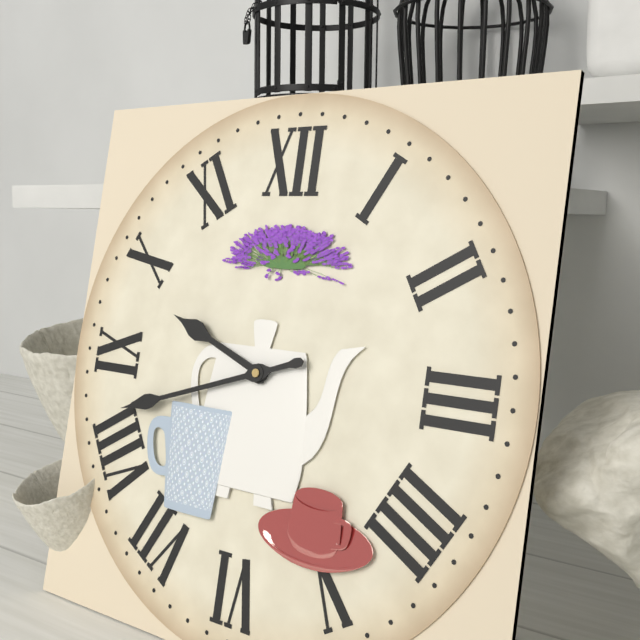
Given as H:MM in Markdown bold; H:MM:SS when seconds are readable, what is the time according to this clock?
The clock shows **9:42**
